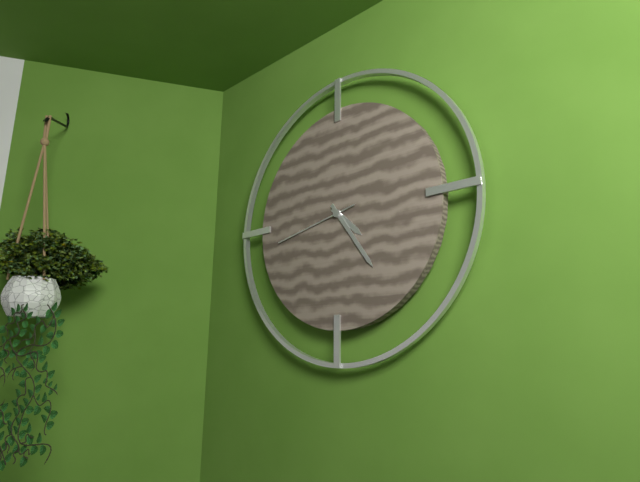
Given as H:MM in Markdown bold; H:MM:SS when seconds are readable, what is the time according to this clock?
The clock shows **4:24:43**
